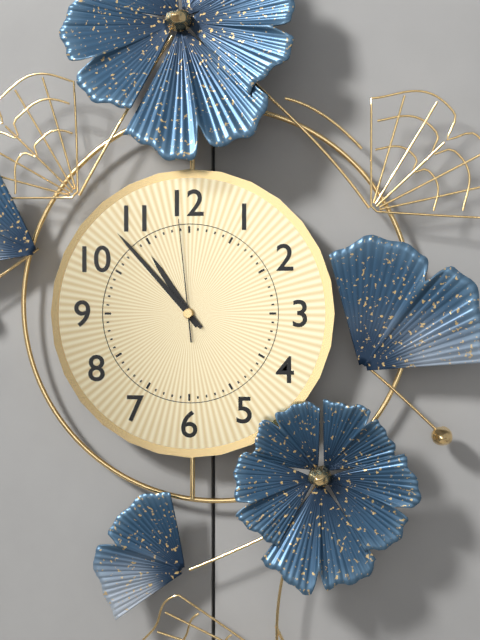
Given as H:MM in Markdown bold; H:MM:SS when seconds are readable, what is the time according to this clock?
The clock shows **10:53:59**
